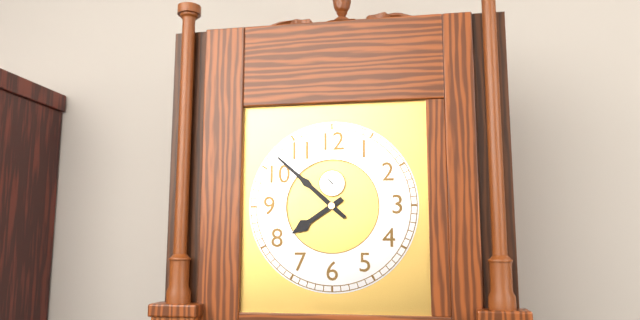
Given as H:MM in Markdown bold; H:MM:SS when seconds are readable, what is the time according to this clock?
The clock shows **7:52**
